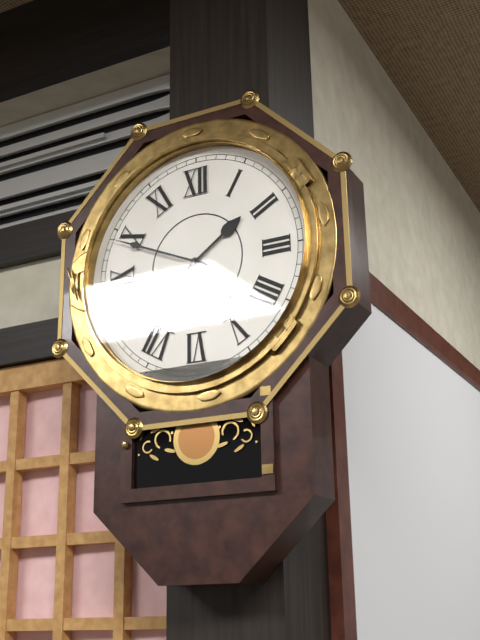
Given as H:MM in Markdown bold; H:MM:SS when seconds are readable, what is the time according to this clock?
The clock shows **1:49**
